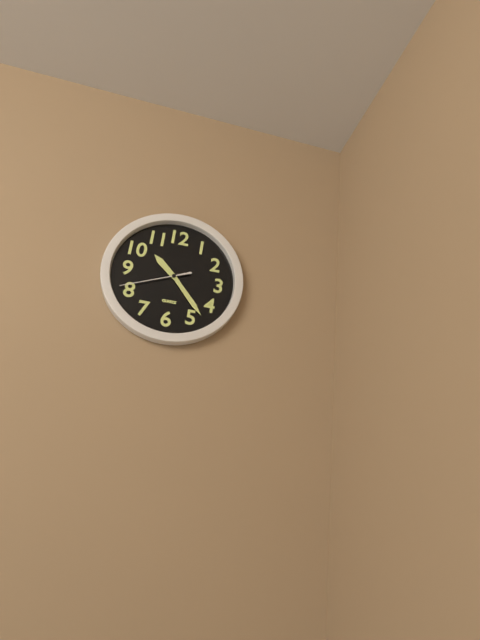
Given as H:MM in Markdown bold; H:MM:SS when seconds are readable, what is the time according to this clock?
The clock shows **10:23:41**
